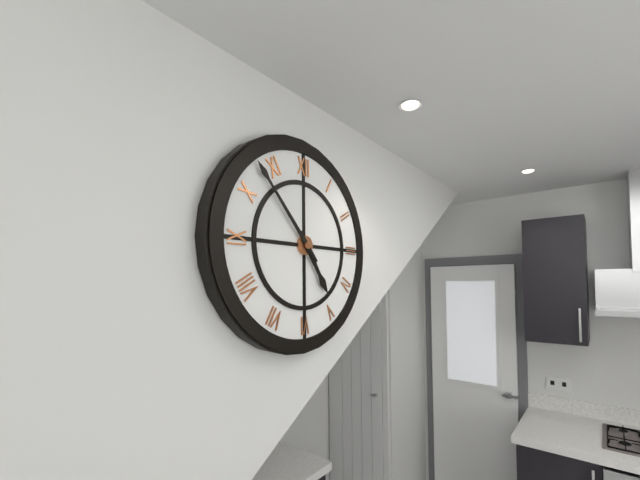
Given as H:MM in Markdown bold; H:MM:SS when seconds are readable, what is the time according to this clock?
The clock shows **4:53**
